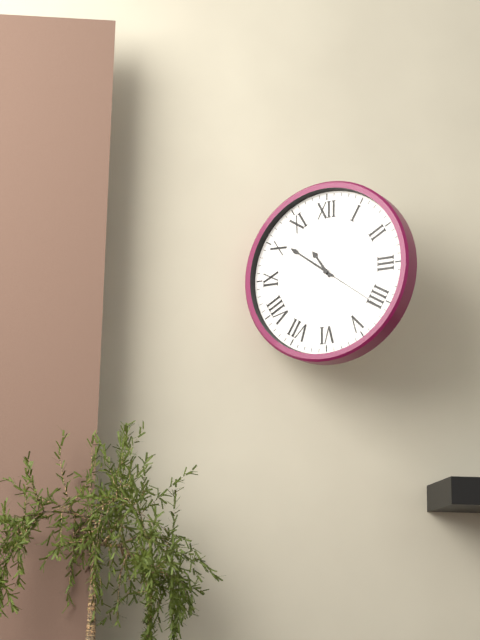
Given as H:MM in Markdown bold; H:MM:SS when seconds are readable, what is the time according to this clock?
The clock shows **10:51:21**
